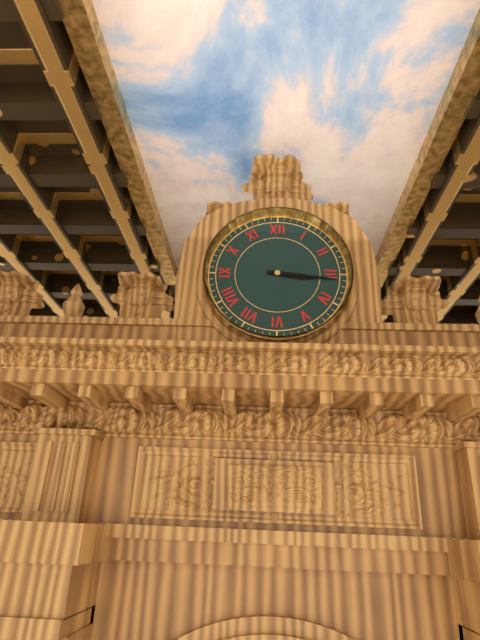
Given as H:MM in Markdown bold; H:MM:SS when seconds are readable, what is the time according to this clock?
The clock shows **3:16**
